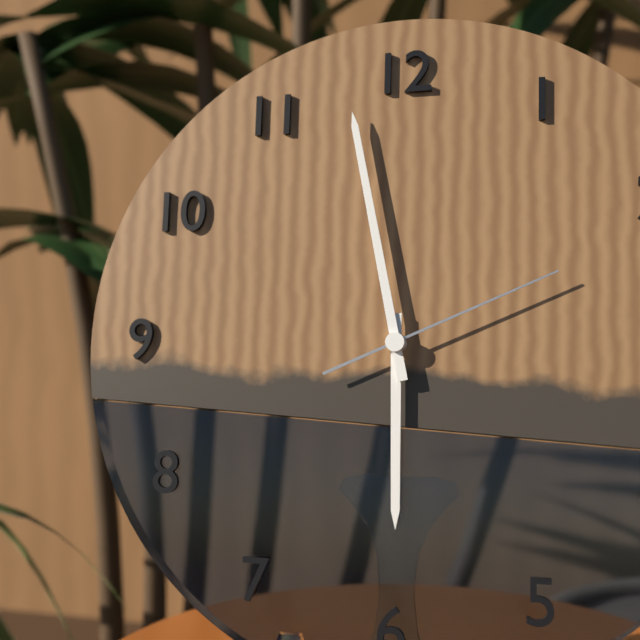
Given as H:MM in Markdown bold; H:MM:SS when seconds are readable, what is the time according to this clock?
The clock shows **5:58:11**
